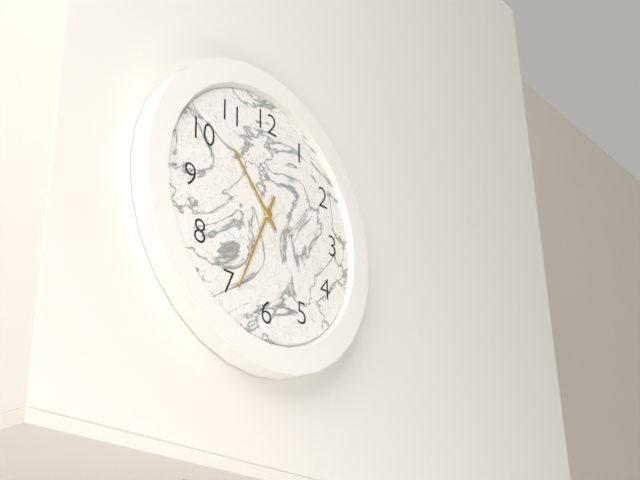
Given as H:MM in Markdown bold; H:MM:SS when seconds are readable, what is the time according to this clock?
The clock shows **10:34**
